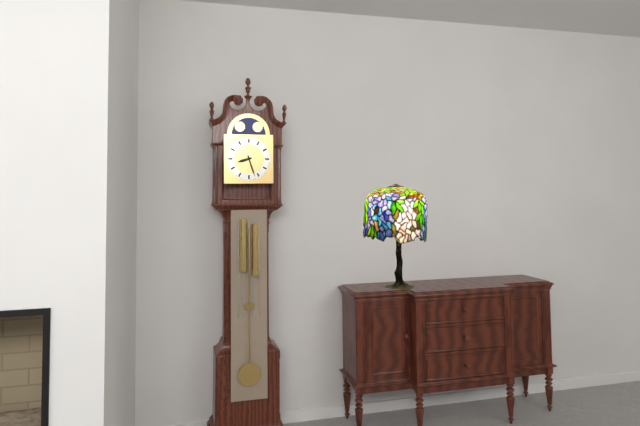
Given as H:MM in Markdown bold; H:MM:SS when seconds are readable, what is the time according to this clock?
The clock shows **8:27**
